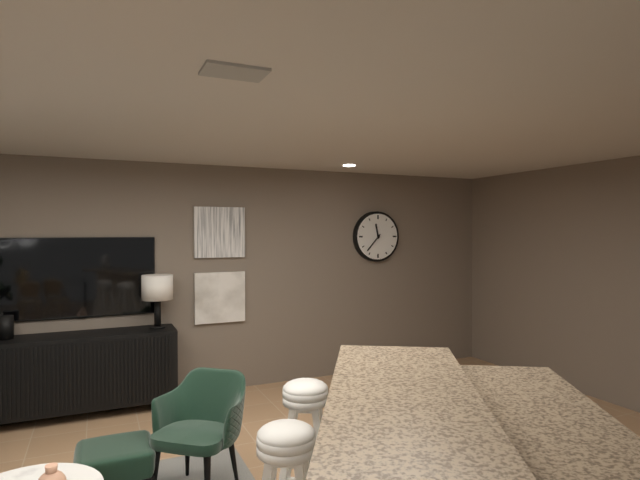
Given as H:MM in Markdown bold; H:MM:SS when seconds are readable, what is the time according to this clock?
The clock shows **11:37**
